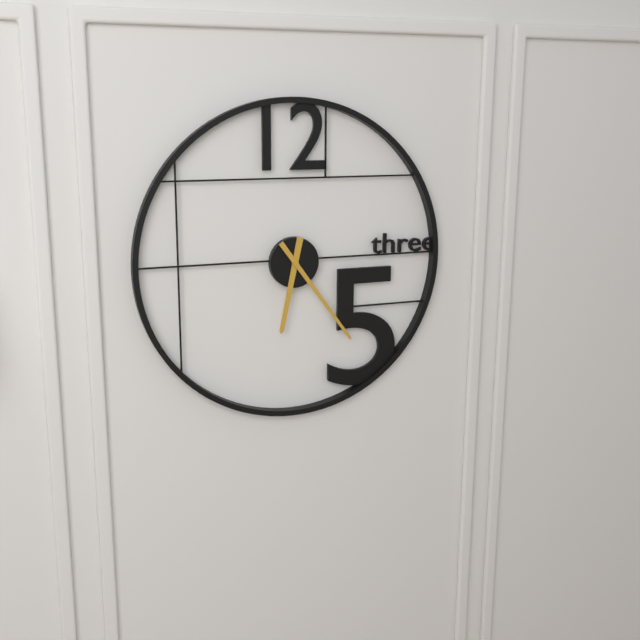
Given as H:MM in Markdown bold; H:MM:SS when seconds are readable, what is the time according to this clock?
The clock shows **6:24**
